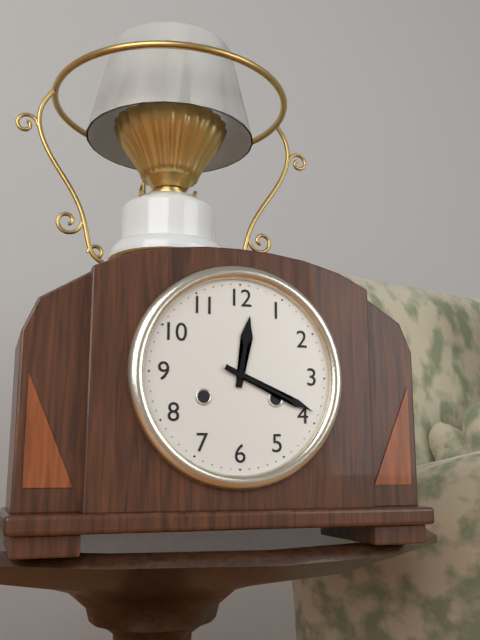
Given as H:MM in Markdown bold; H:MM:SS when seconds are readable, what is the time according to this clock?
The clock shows **12:19**
